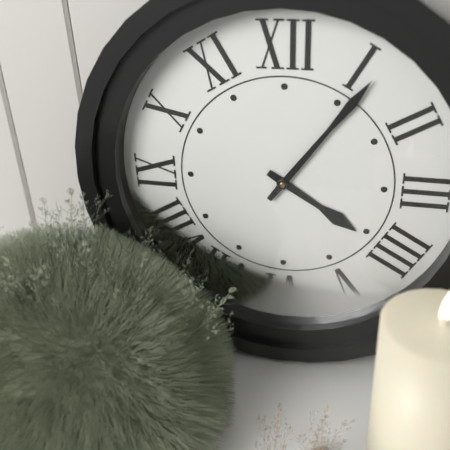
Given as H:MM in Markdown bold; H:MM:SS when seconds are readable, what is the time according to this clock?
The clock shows **4:06**
